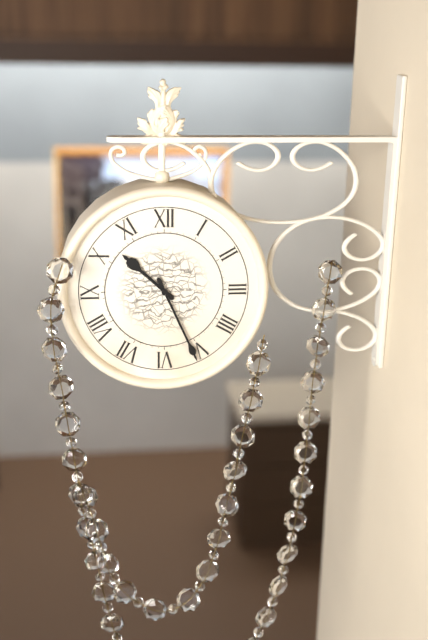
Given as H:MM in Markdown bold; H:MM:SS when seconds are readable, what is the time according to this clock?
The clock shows **10:26**
